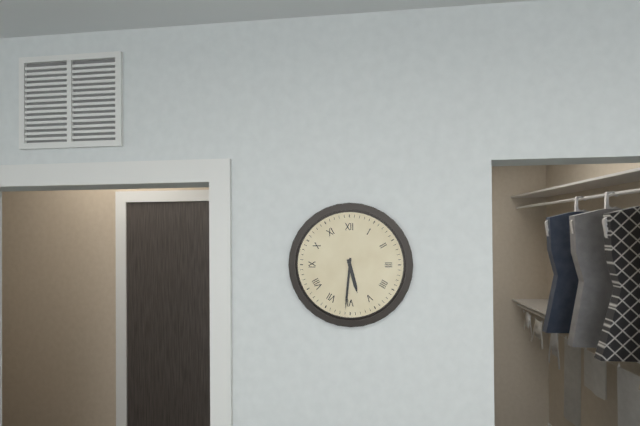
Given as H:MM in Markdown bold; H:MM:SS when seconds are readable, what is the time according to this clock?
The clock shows **5:31**
